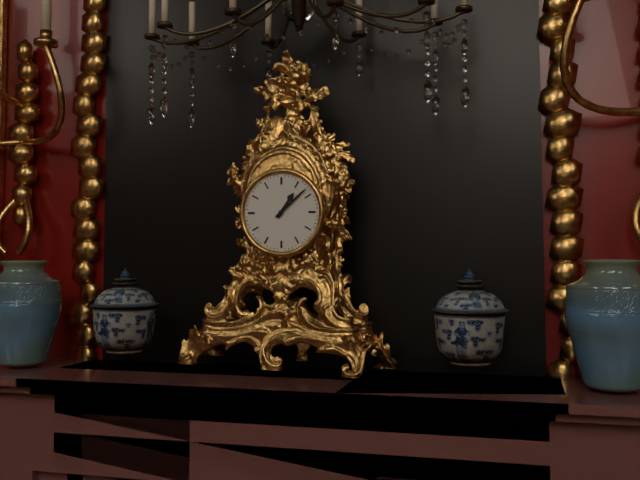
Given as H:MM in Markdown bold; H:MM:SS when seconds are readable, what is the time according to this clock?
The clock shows **1:08**
